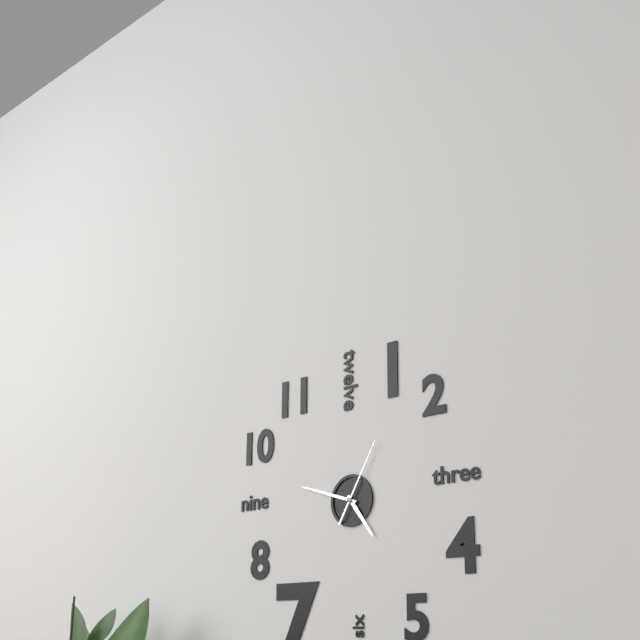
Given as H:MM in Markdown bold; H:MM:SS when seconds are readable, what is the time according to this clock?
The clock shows **4:48:05**
